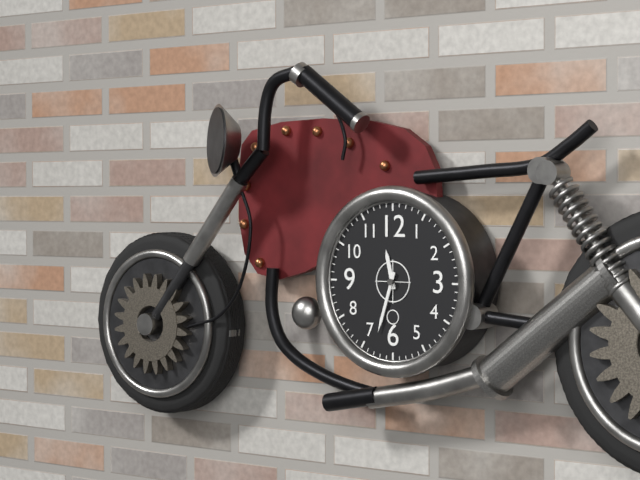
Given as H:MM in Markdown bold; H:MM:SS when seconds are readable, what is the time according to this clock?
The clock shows **11:33**
